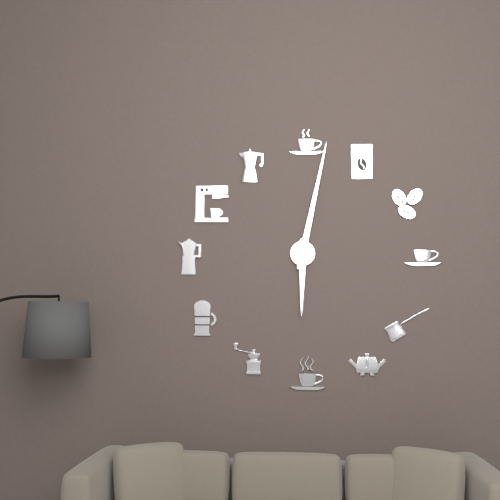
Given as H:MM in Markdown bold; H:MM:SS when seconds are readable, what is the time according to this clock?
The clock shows **6:02**
